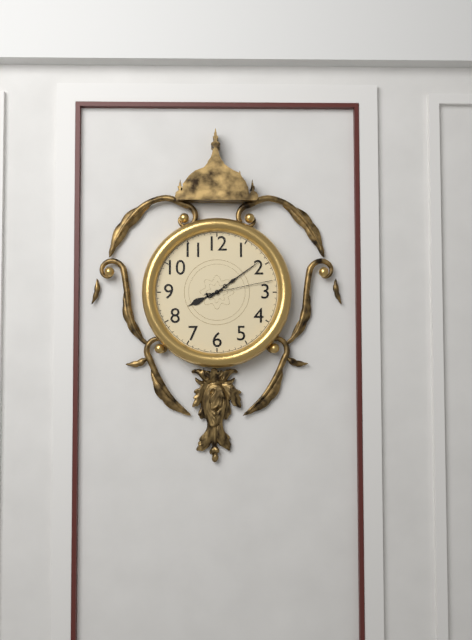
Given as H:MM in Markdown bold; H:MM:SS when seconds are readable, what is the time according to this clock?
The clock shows **8:09:13**
